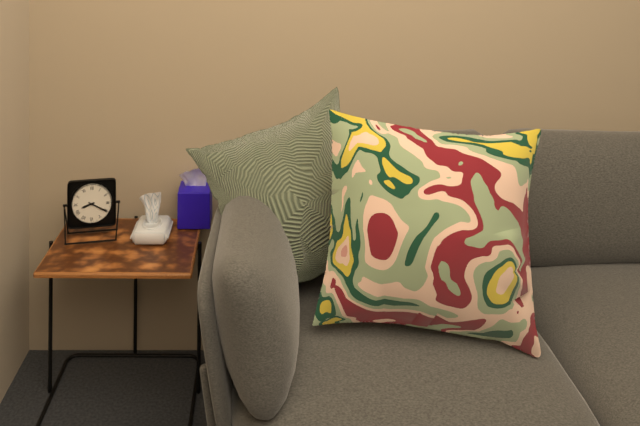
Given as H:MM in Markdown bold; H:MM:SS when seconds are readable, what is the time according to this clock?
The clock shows **8:20**
